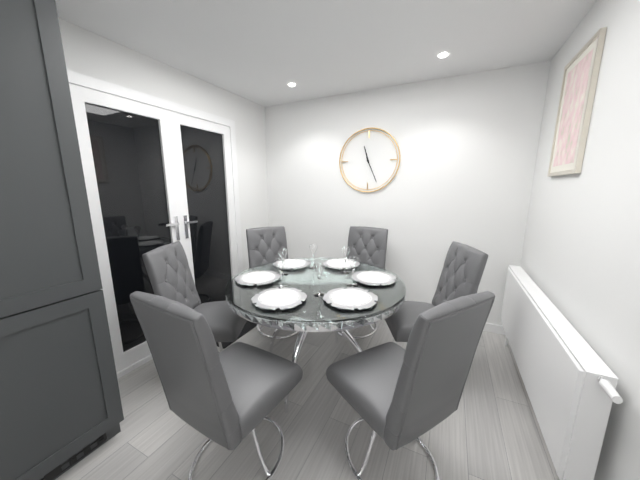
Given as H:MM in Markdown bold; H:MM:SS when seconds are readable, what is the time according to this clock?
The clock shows **11:26**
